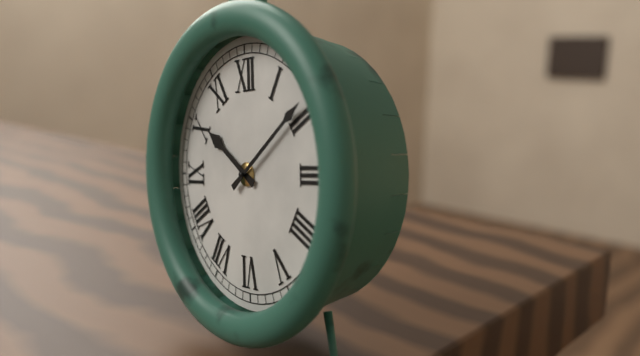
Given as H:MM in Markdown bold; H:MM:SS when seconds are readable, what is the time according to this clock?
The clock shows **10:09**
